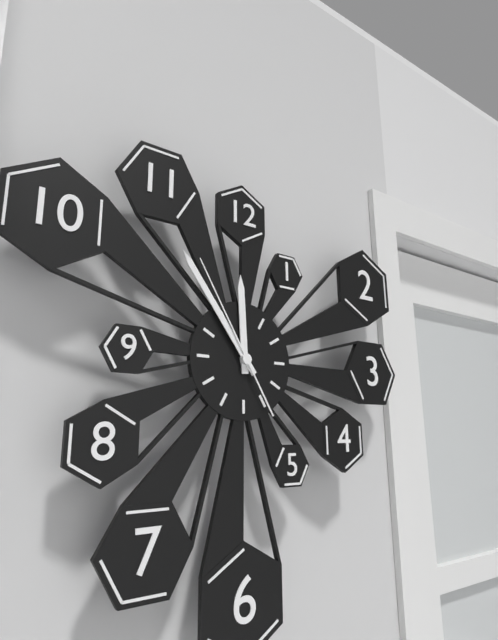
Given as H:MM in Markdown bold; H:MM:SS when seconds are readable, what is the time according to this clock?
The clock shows **11:54:55**
